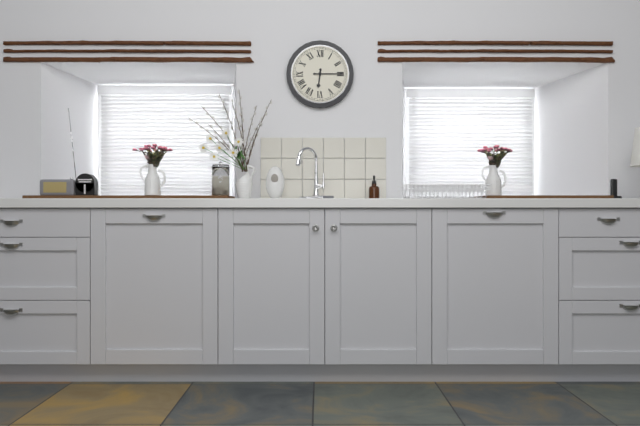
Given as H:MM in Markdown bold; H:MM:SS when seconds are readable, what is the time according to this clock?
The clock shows **6:15**
